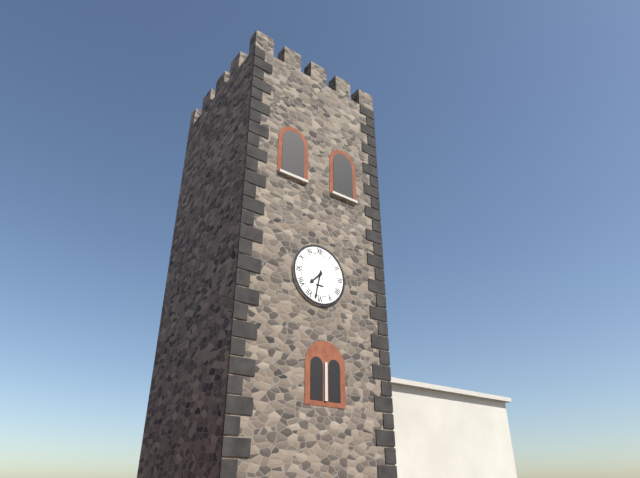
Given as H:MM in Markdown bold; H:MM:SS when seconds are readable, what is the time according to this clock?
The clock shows **7:32**
